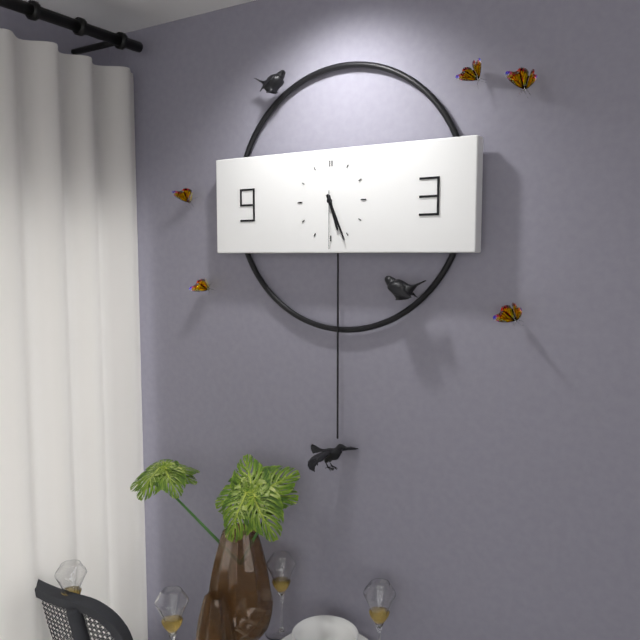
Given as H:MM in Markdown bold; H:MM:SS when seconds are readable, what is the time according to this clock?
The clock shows **5:26:30**
